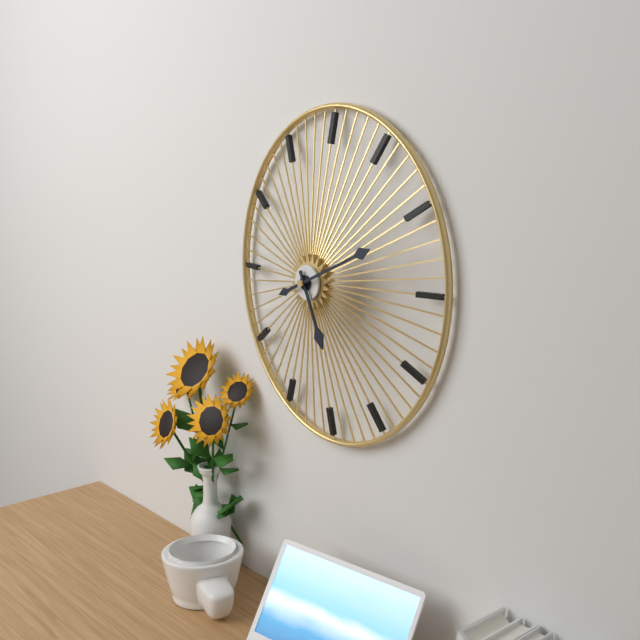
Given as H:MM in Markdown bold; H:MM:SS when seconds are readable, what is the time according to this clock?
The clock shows **5:11**
